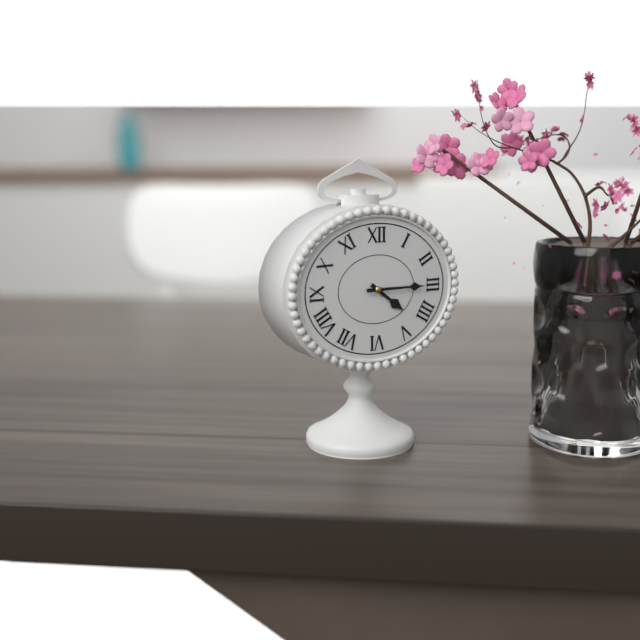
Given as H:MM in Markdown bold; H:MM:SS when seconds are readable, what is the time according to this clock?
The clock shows **4:15**
